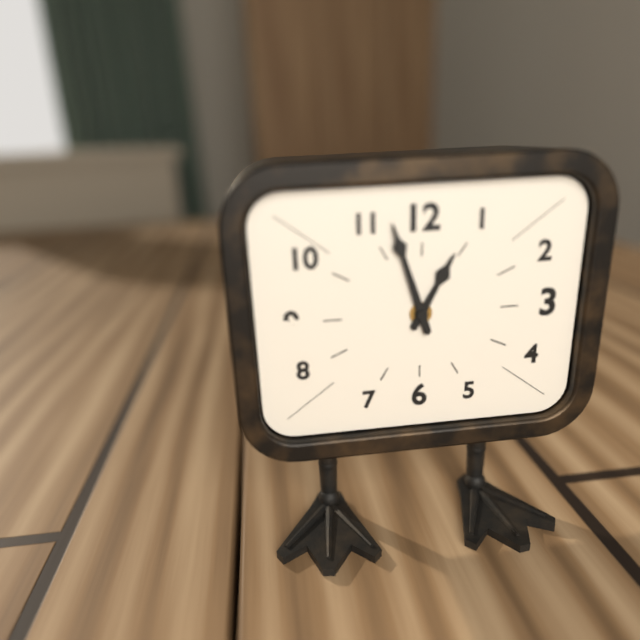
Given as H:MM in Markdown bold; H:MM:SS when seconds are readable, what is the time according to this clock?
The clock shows **12:57**
